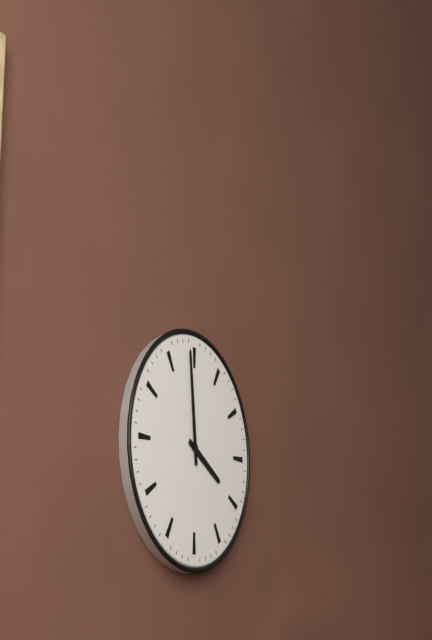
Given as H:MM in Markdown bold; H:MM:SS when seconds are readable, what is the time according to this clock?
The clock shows **3:59**
